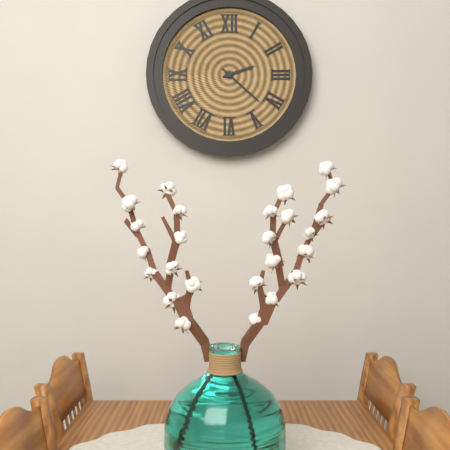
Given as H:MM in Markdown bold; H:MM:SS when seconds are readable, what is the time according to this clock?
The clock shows **2:22**
